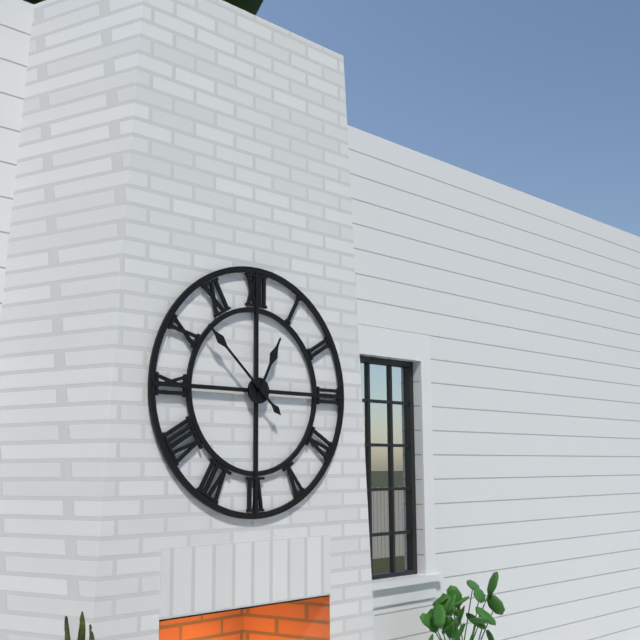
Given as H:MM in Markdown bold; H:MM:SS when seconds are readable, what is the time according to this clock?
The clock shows **12:52**
